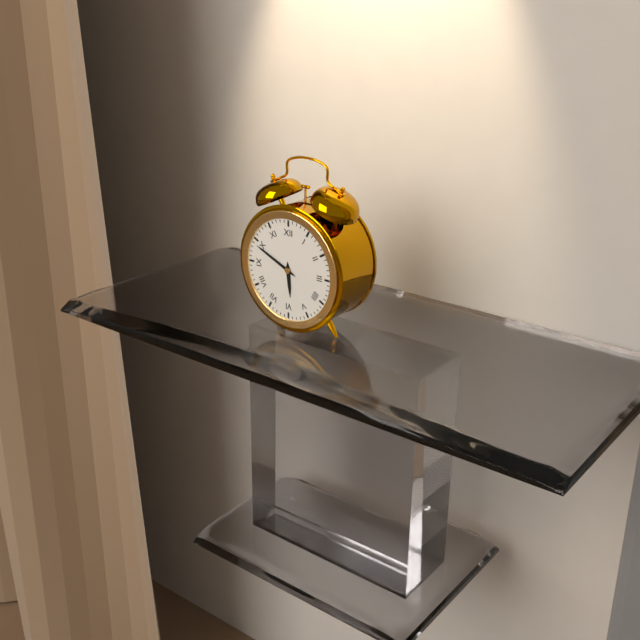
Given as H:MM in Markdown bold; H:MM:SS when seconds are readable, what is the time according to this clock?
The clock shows **5:49**
